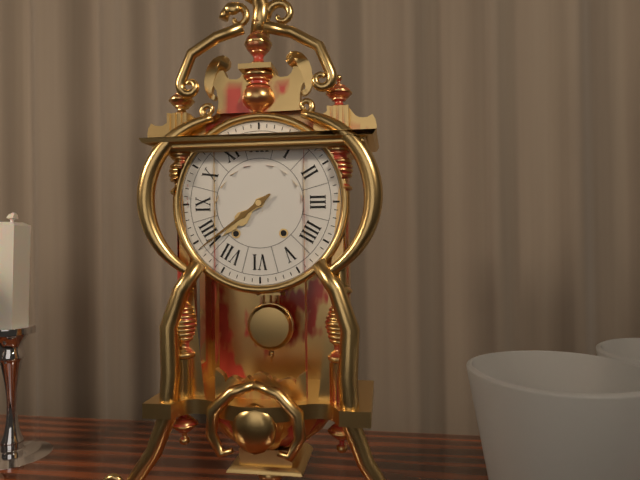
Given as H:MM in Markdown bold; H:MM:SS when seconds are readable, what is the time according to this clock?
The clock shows **7:39**
